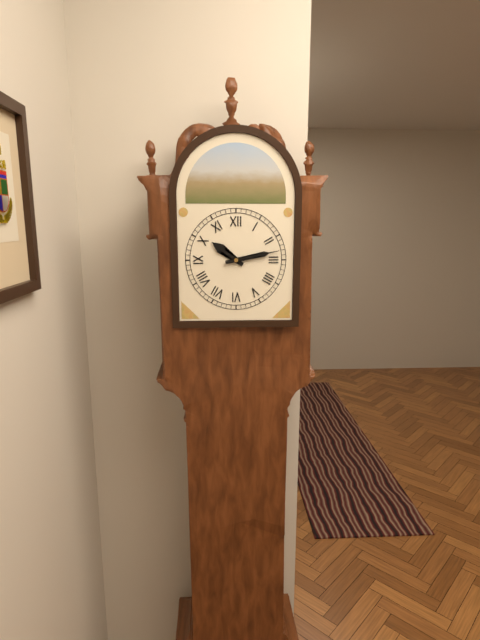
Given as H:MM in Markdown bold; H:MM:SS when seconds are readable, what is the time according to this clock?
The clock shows **10:13**
